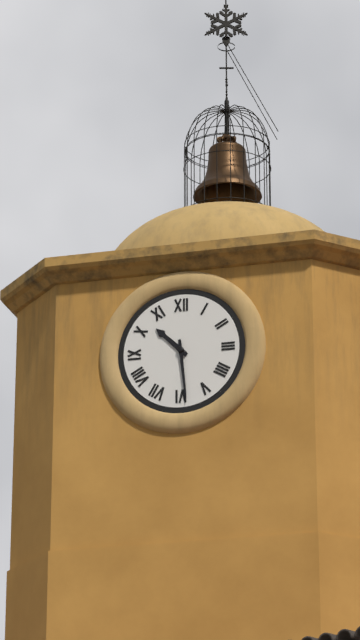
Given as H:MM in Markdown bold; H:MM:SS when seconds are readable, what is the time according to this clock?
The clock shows **10:29**
